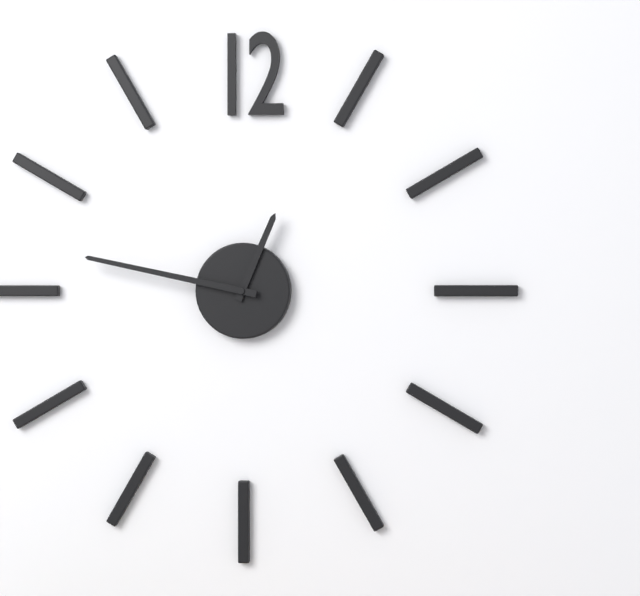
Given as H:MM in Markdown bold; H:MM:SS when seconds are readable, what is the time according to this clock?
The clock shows **12:47**
